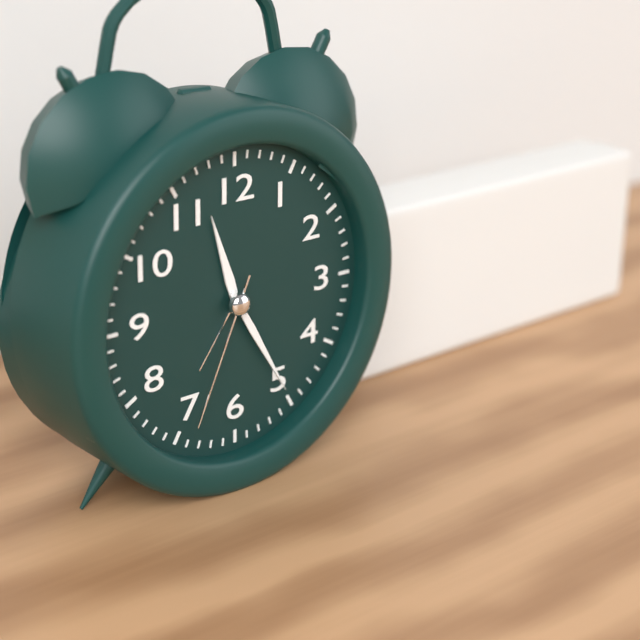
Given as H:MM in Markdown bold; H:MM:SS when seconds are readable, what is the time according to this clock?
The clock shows **11:25:34**
